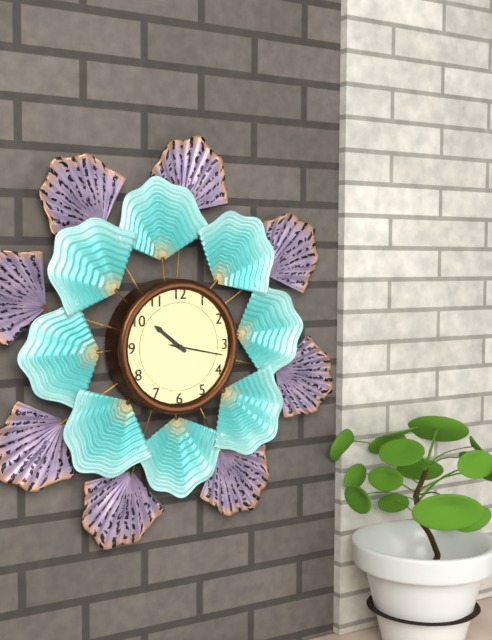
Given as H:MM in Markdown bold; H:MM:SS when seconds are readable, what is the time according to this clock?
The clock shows **10:17**
